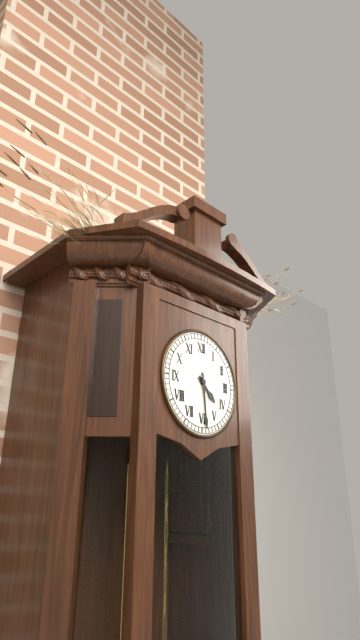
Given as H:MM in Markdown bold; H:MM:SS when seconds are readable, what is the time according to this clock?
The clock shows **4:29**
